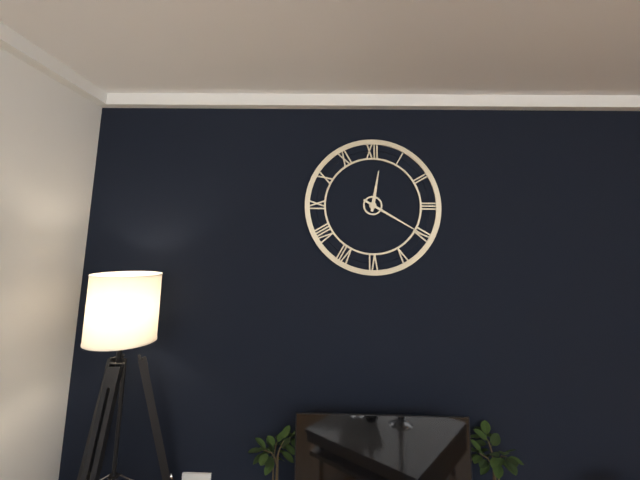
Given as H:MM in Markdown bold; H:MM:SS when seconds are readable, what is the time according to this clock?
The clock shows **12:20**
